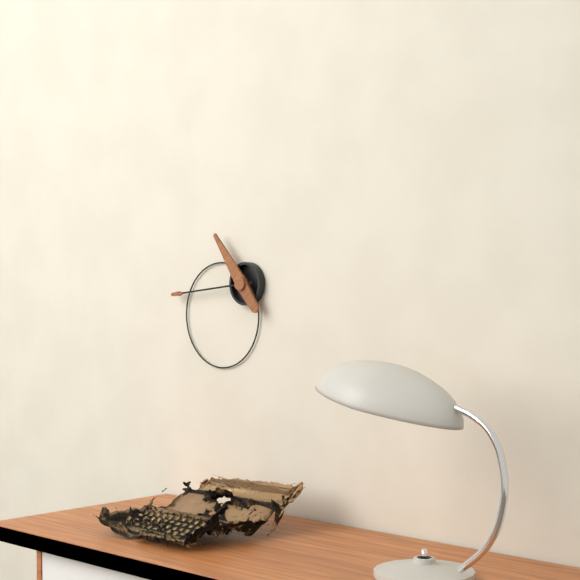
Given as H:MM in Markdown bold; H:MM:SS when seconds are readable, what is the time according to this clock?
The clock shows **10:44**
